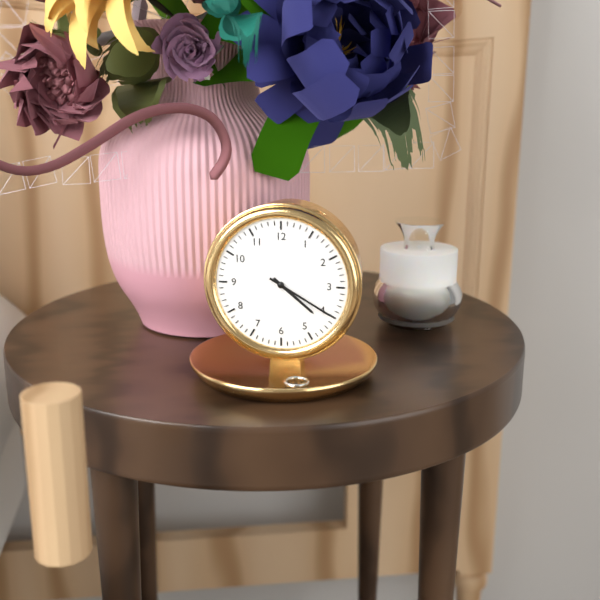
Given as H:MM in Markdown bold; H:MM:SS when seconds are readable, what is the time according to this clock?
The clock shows **4:20**
